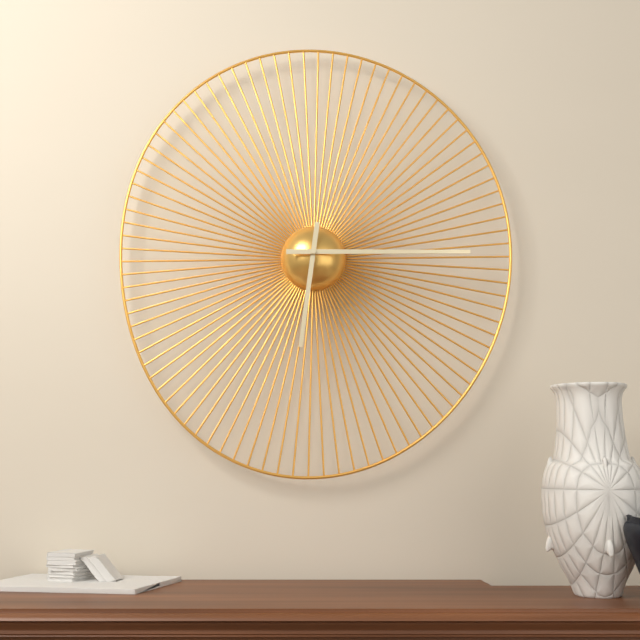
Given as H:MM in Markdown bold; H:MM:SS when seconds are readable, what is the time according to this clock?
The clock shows **6:15**
